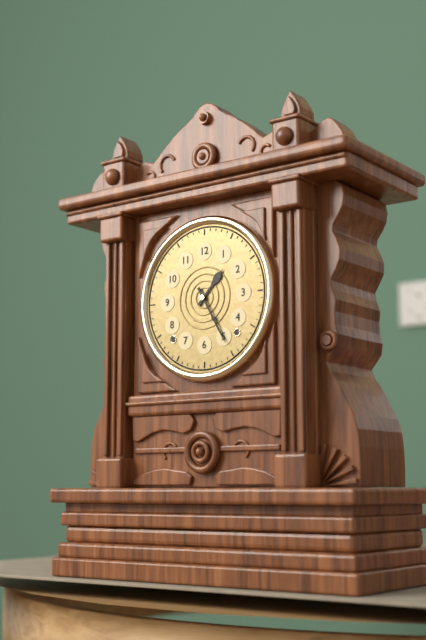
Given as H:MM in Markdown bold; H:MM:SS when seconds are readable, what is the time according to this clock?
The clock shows **1:25**
